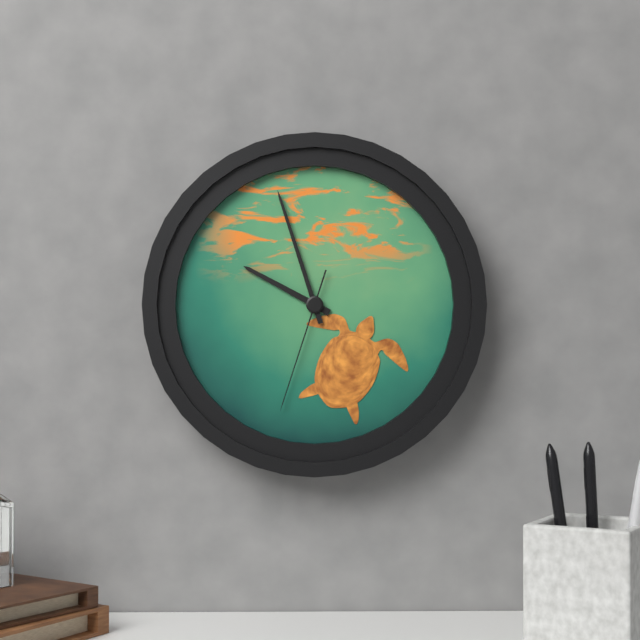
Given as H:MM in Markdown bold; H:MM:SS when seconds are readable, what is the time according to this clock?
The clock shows **9:57:33**
